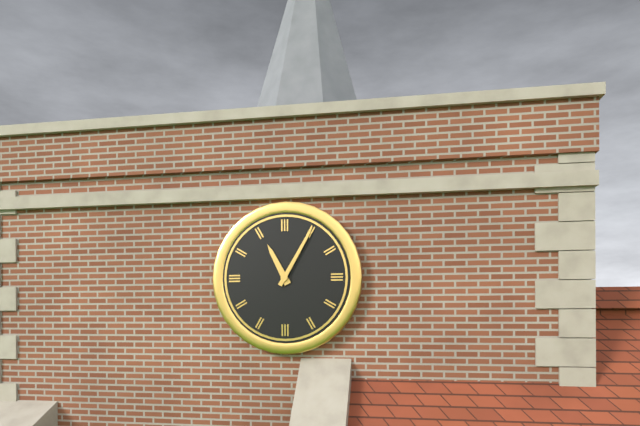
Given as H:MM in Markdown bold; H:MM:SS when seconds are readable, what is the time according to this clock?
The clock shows **11:05**
